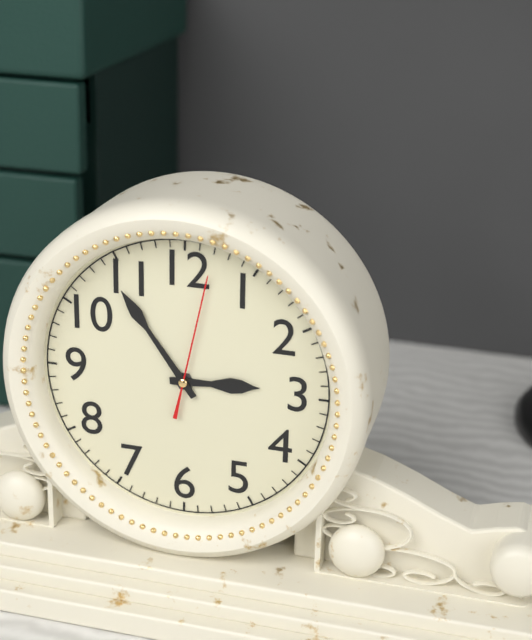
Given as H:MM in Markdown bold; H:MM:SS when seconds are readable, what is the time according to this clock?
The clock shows **2:54:02**
